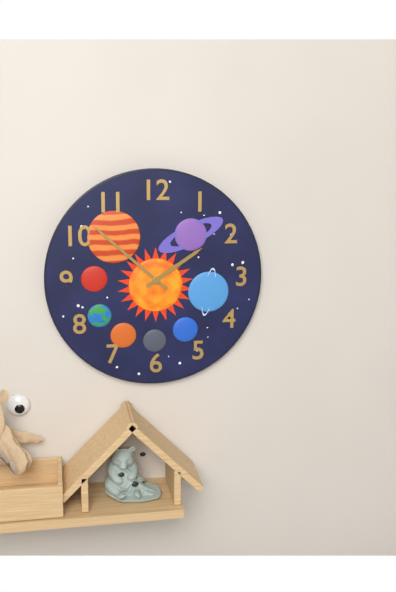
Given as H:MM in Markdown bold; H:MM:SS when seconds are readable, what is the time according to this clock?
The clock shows **1:52**
